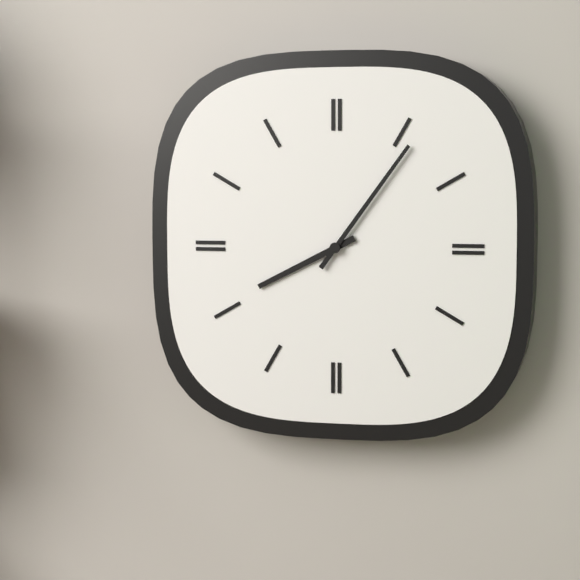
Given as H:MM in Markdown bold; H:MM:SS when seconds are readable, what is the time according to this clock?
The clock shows **8:06**
